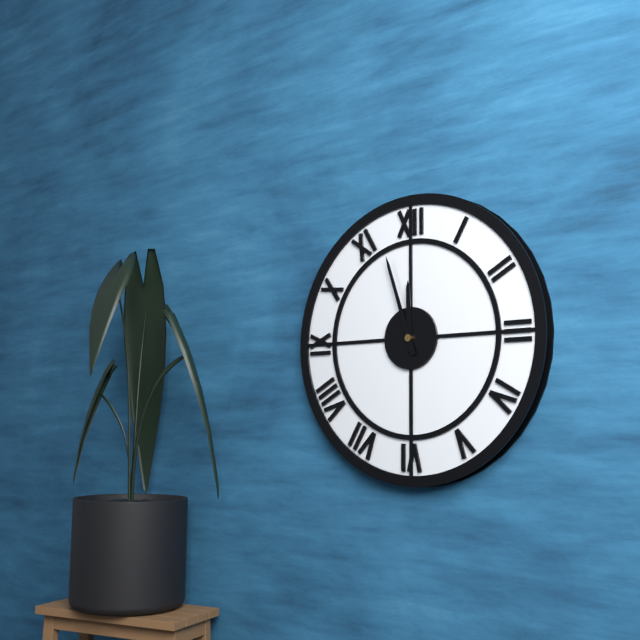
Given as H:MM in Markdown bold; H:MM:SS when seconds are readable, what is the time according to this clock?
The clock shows **11:57**
